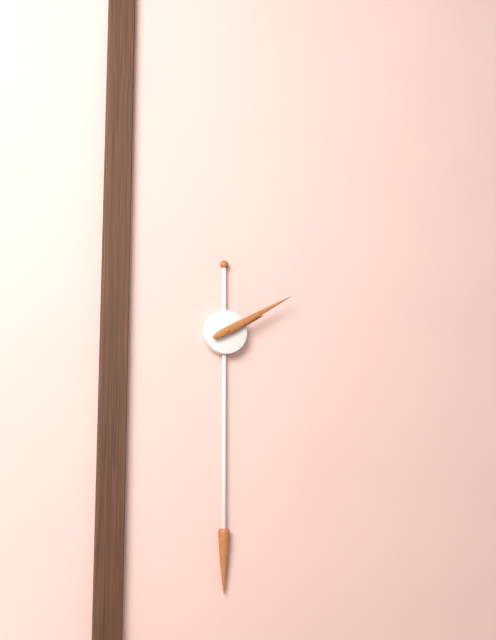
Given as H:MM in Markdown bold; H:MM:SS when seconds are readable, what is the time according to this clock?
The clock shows **2:10**
